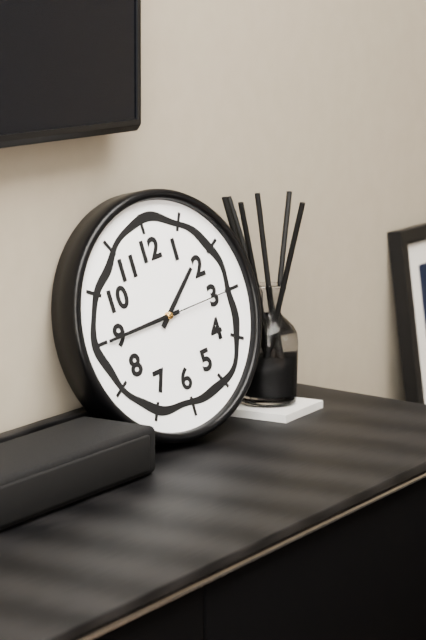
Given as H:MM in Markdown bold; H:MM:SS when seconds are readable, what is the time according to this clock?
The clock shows **1:45:15**
